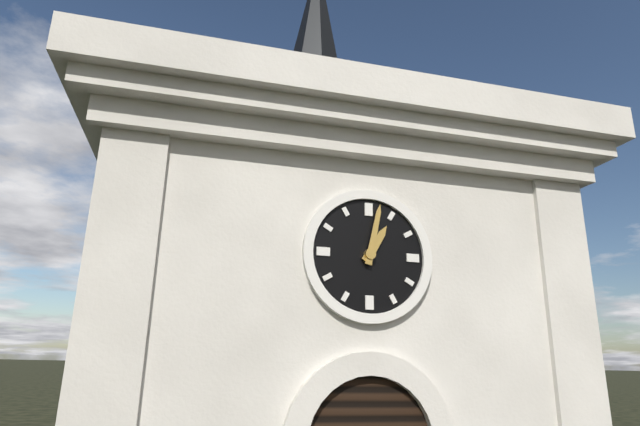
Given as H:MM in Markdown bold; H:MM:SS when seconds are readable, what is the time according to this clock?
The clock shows **1:02**
